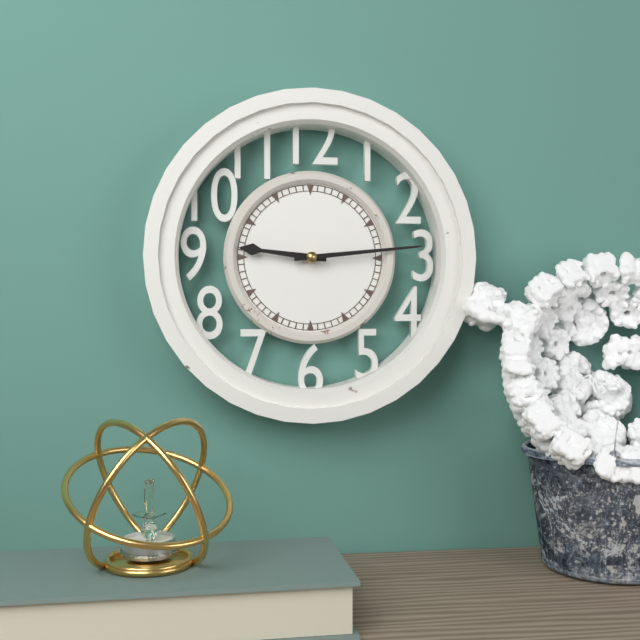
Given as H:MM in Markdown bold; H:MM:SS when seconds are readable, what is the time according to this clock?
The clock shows **9:14**
